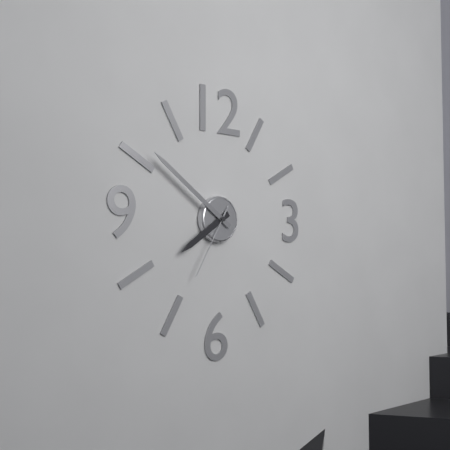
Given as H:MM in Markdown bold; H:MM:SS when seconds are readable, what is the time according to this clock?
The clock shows **7:51:35**
